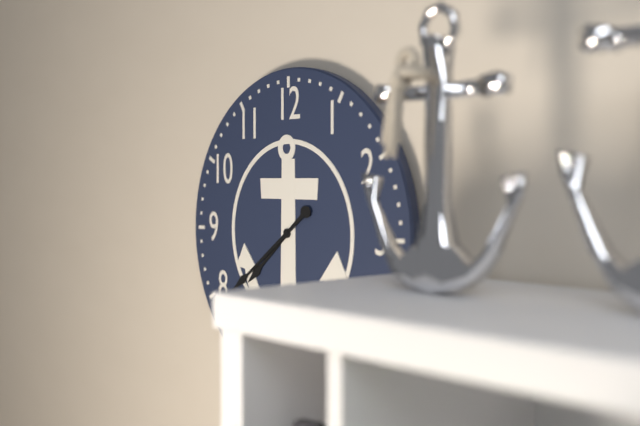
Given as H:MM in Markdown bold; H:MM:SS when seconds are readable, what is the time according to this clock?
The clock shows **7:39**
